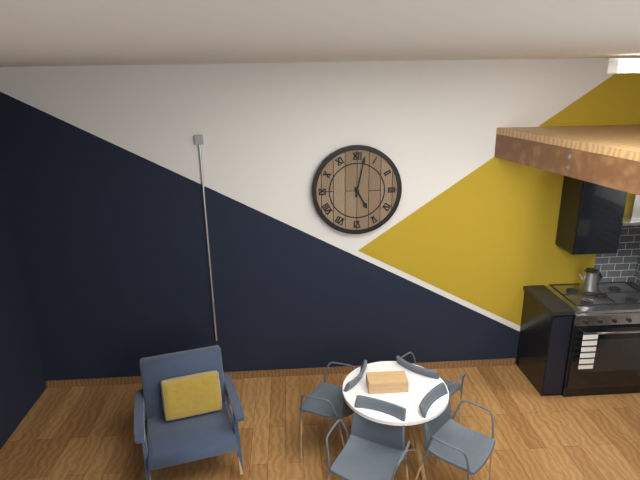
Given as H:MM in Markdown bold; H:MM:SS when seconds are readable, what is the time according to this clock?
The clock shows **5:02**
